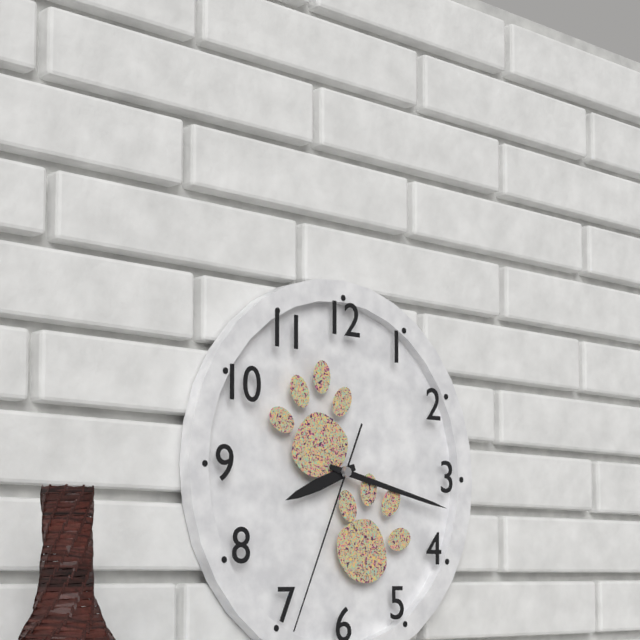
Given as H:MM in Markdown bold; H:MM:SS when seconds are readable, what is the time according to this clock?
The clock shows **8:17:34**
